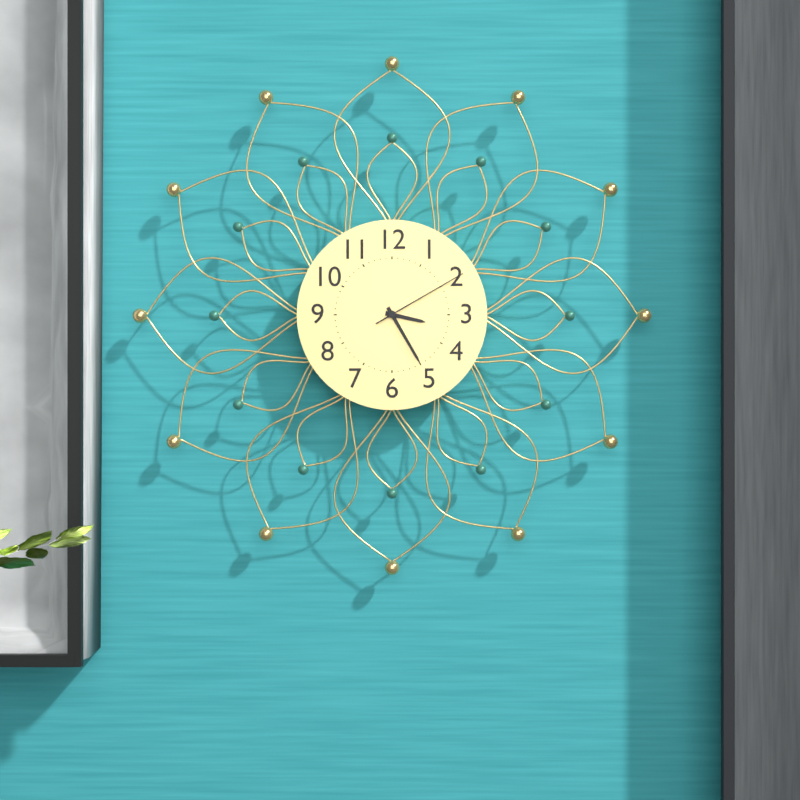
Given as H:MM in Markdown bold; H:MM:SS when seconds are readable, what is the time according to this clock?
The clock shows **3:25:10**
